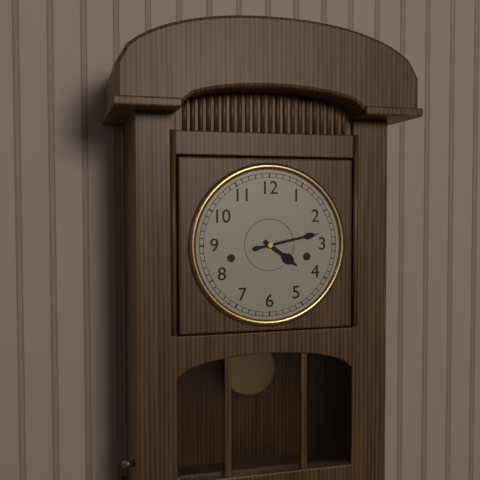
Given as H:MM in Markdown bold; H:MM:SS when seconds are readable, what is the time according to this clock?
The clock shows **4:13**
